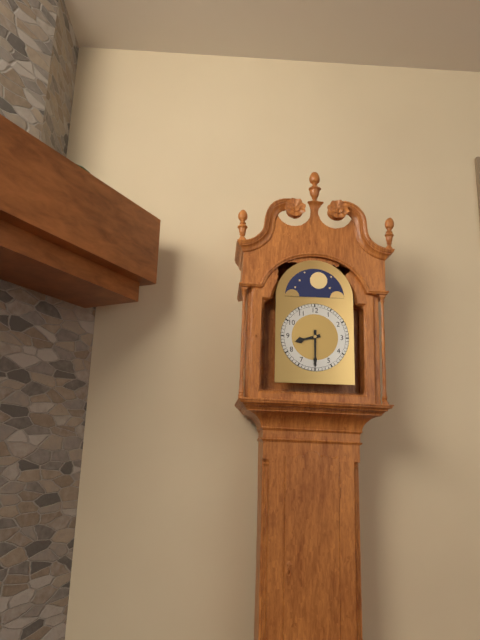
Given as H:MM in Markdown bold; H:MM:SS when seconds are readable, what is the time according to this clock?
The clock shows **8:30**
